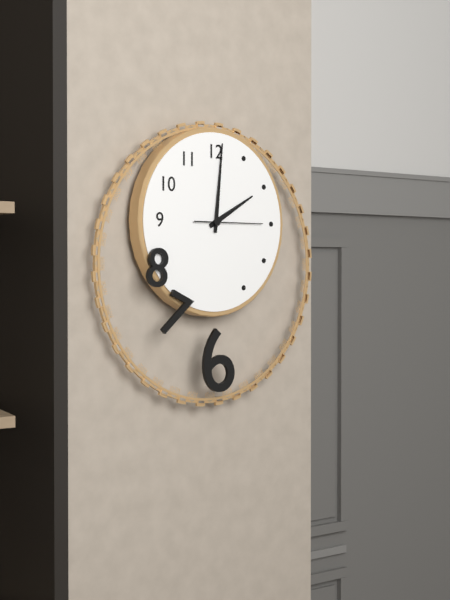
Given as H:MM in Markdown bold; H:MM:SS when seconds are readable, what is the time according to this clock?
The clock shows **2:01:15**
